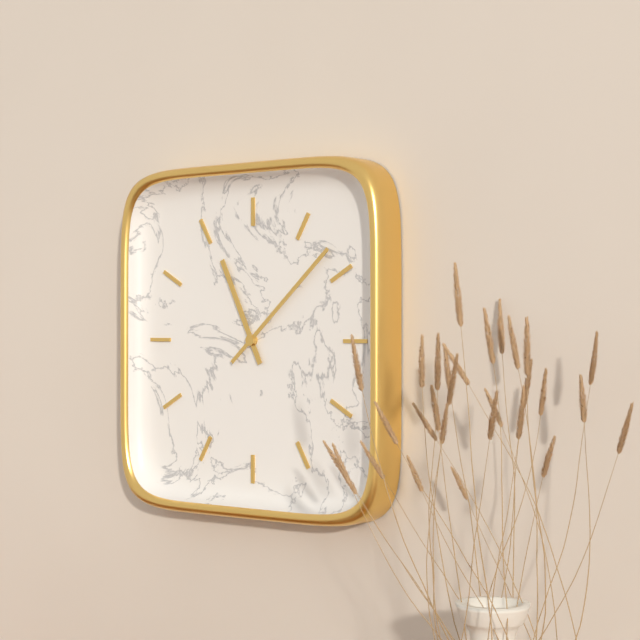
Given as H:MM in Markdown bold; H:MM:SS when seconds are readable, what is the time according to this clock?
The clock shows **11:08**
